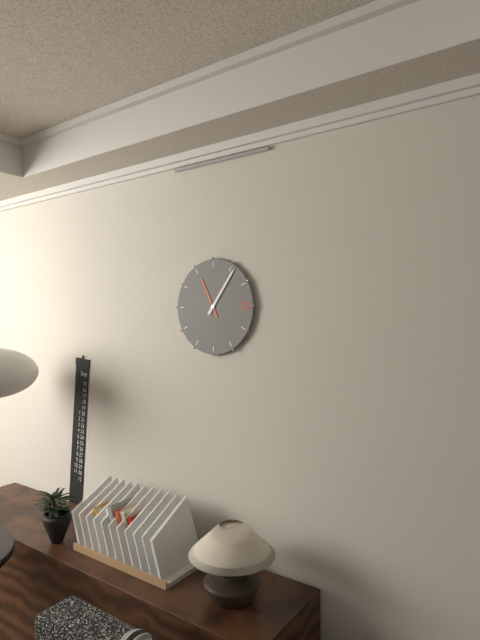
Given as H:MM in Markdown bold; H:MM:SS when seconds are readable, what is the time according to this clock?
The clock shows **11:06**
